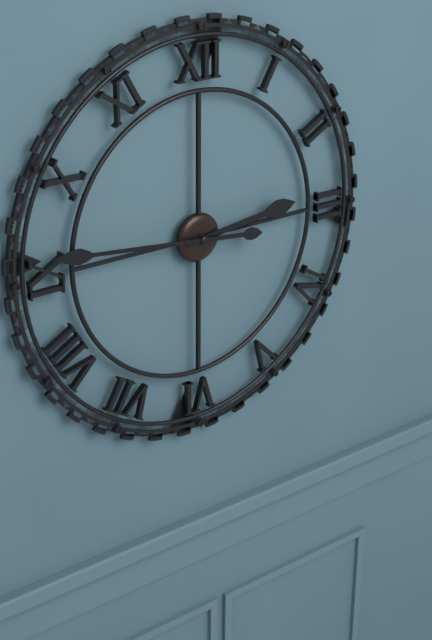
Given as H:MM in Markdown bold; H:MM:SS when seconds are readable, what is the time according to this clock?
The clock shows **2:46**
